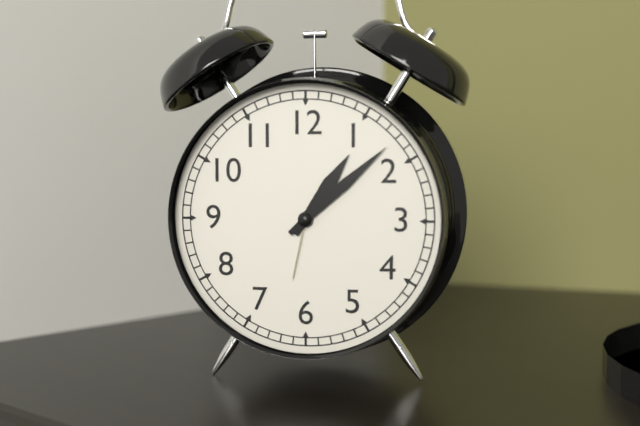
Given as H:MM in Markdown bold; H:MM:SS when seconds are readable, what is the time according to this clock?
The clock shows **1:08**
